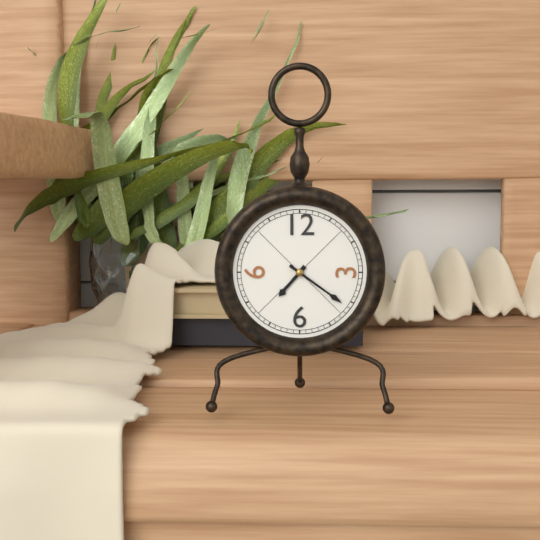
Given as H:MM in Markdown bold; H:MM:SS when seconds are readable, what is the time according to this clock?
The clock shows **7:21**
